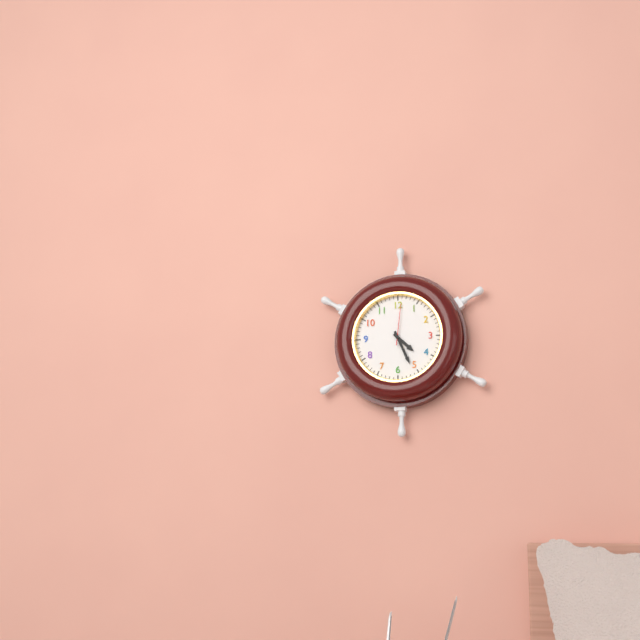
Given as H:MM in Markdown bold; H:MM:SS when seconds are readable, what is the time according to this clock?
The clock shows **4:26**
